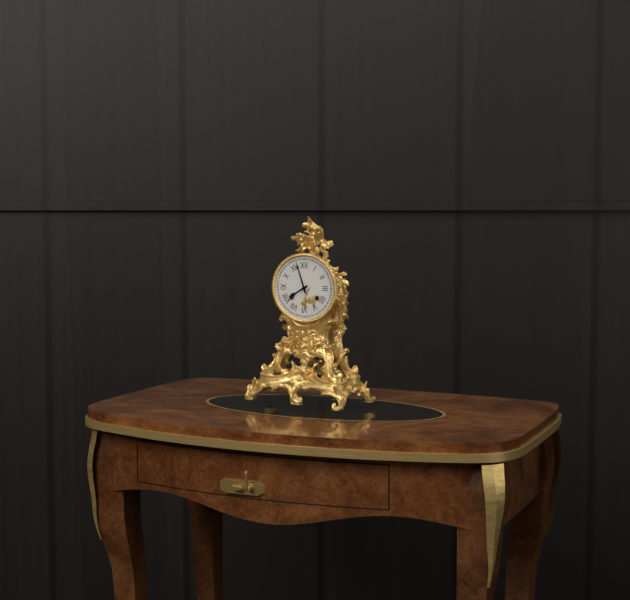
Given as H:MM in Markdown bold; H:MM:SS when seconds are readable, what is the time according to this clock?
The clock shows **7:57**
